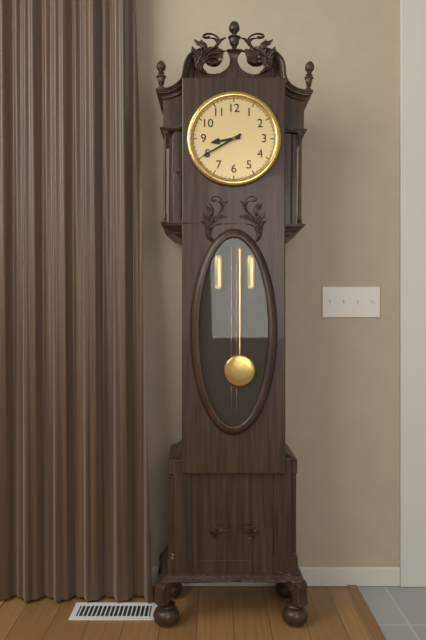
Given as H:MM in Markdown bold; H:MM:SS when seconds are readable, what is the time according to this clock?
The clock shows **8:40**
